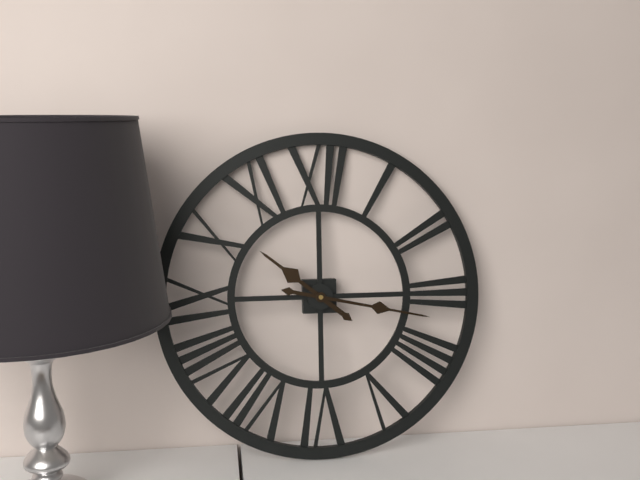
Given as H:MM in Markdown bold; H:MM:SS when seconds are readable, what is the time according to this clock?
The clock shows **10:17**
